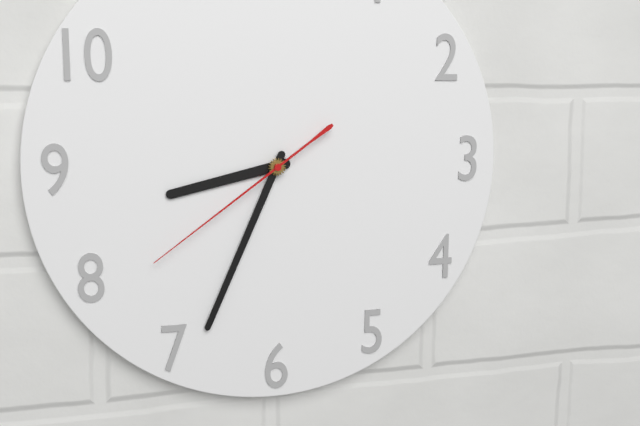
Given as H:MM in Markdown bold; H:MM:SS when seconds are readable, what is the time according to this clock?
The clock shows **8:34:39**
